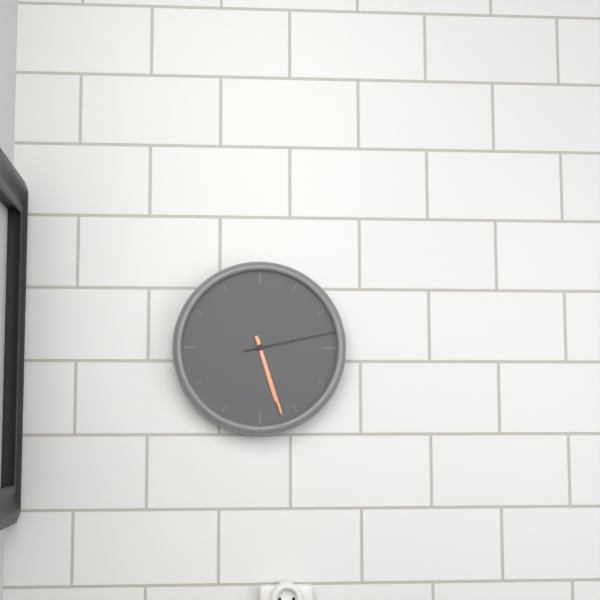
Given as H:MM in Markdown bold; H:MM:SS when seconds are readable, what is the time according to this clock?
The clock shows **5:27:13**
